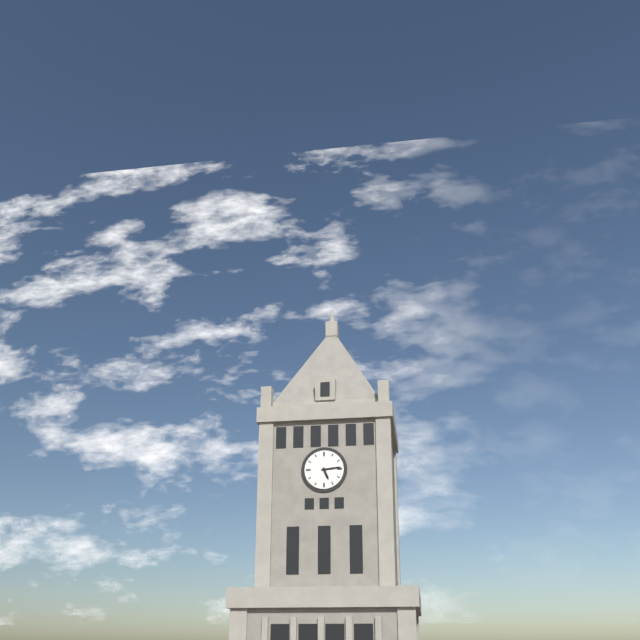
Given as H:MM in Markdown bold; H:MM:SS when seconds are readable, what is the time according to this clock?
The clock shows **5:14**
